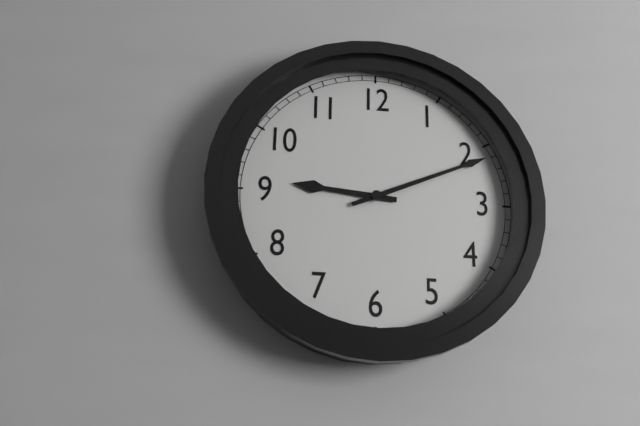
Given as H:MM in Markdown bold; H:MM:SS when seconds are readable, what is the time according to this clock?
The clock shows **9:11**
